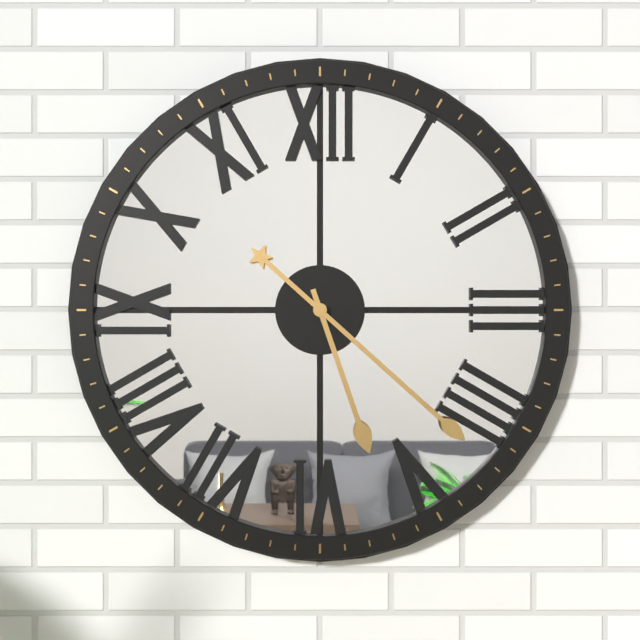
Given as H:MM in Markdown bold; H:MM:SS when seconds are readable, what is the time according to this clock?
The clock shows **5:22**
